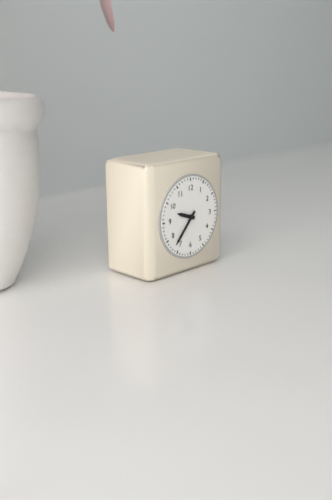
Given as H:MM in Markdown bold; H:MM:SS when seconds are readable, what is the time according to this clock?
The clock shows **9:37**
